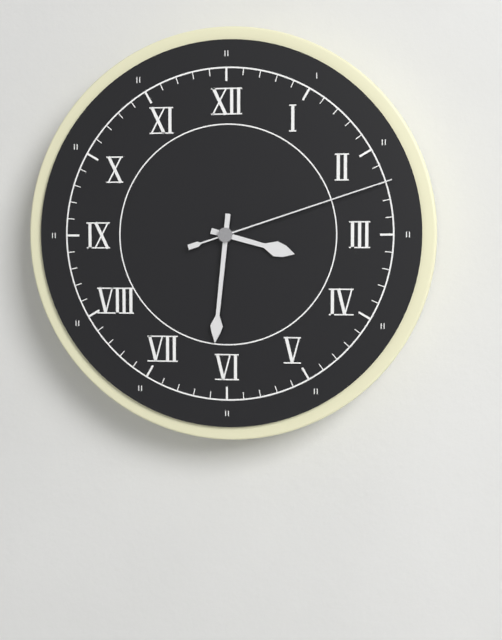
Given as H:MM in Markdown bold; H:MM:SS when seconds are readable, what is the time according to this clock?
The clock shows **3:31:12**
